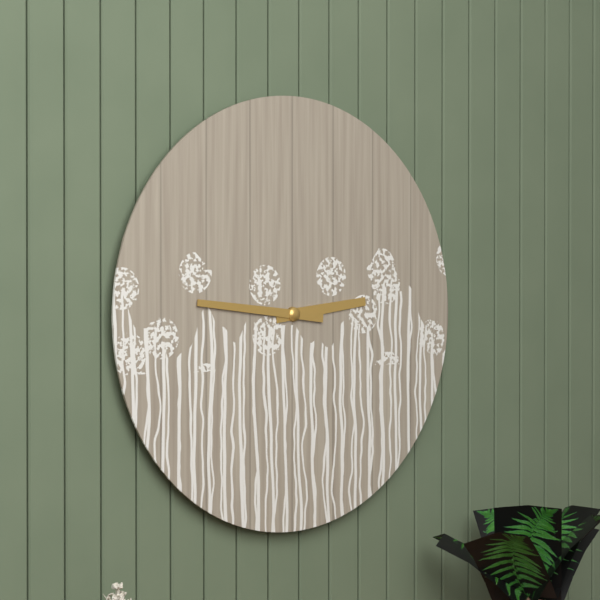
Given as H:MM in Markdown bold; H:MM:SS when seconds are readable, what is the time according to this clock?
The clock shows **2:46**
